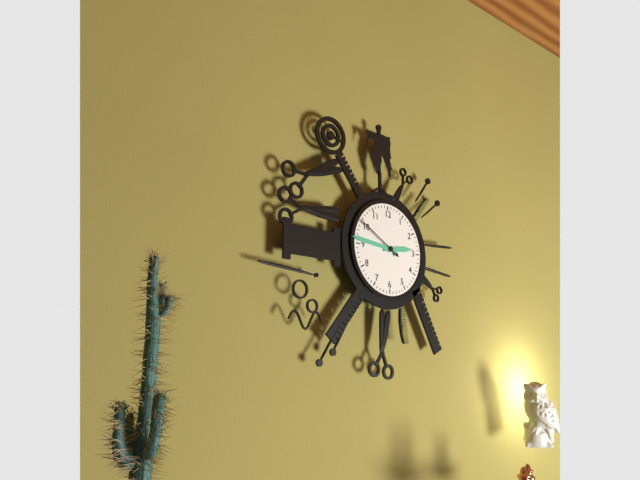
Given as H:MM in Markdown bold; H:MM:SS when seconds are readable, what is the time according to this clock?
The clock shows **2:46**
